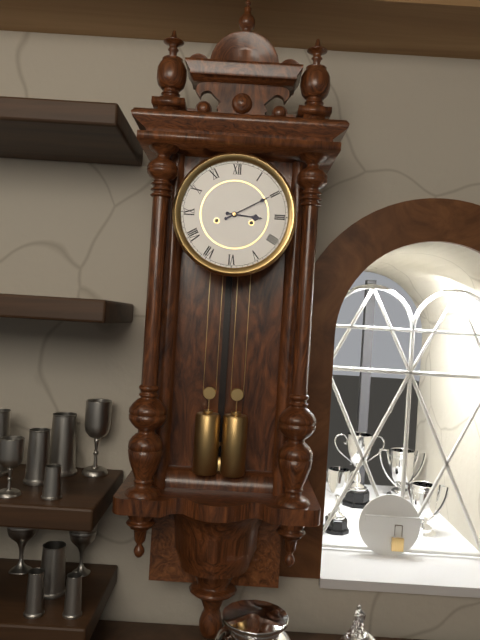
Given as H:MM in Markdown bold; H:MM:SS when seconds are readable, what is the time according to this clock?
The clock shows **3:10**
